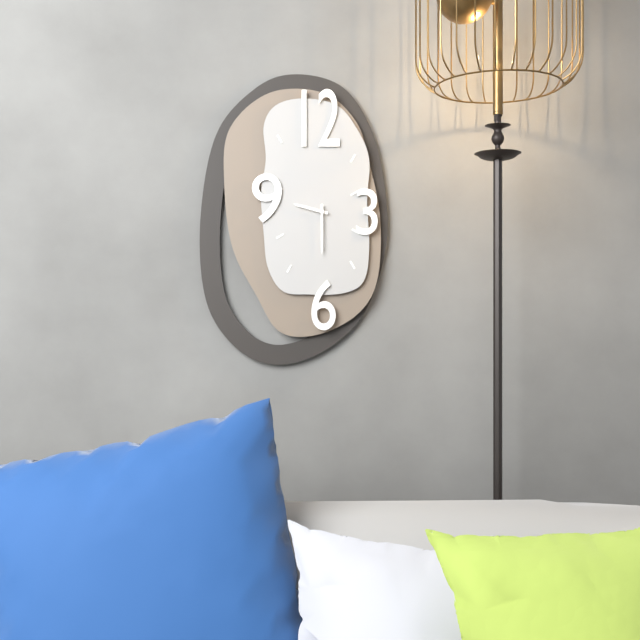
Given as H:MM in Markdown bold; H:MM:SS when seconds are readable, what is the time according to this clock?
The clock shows **9:30**
